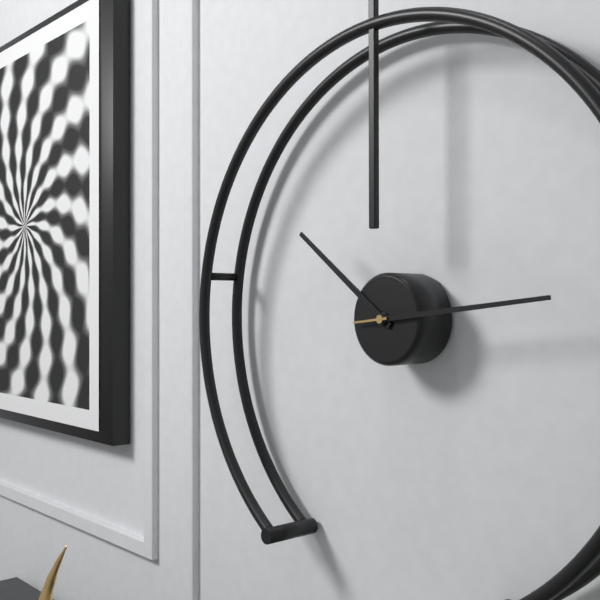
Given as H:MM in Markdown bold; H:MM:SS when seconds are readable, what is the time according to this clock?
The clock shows **10:14**
